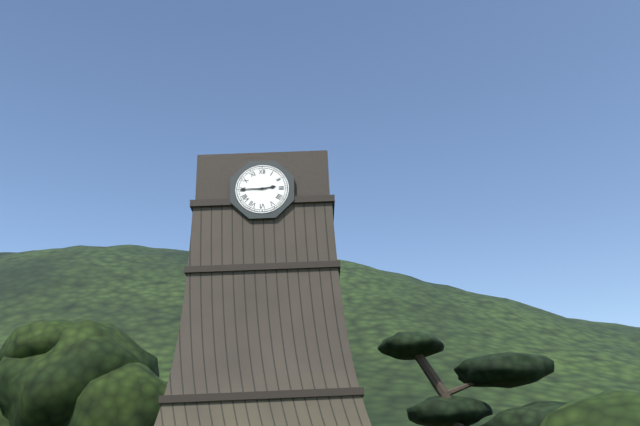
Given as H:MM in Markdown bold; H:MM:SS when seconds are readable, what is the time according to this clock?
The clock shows **2:45**
